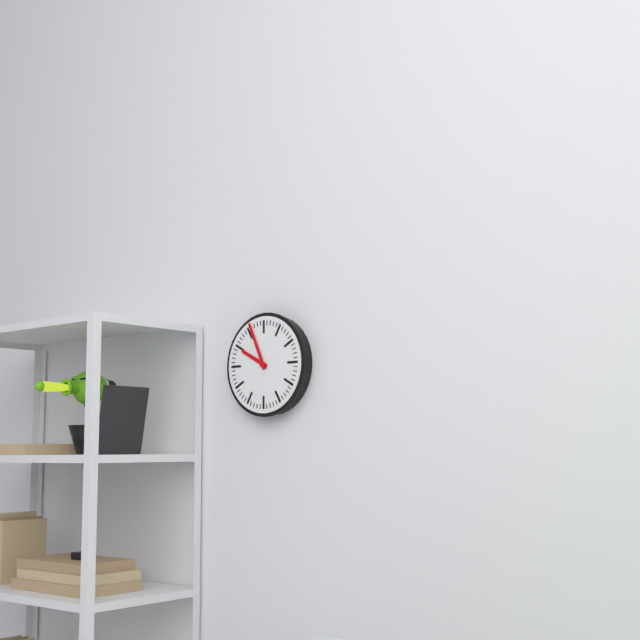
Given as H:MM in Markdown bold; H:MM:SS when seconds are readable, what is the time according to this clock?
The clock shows **9:56**
